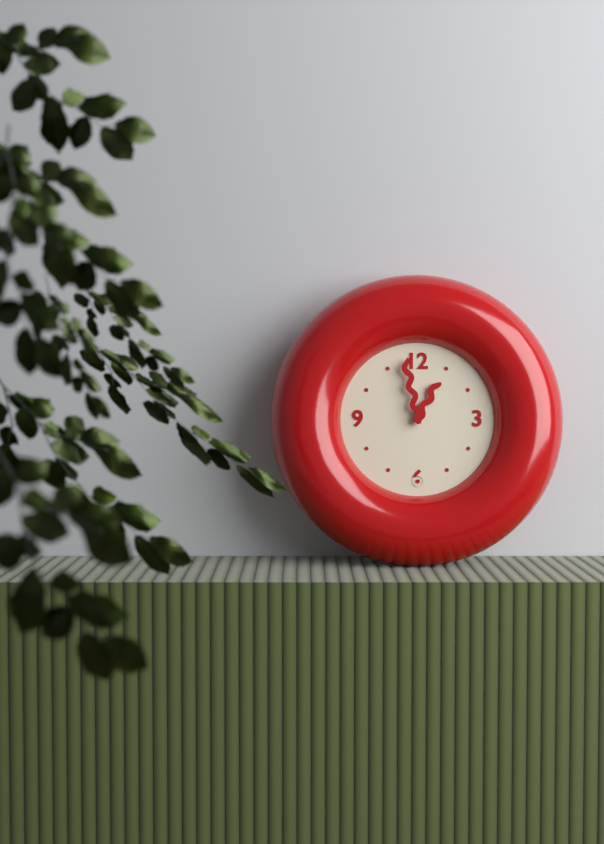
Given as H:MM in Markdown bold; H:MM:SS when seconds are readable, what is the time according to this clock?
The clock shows **12:58**
